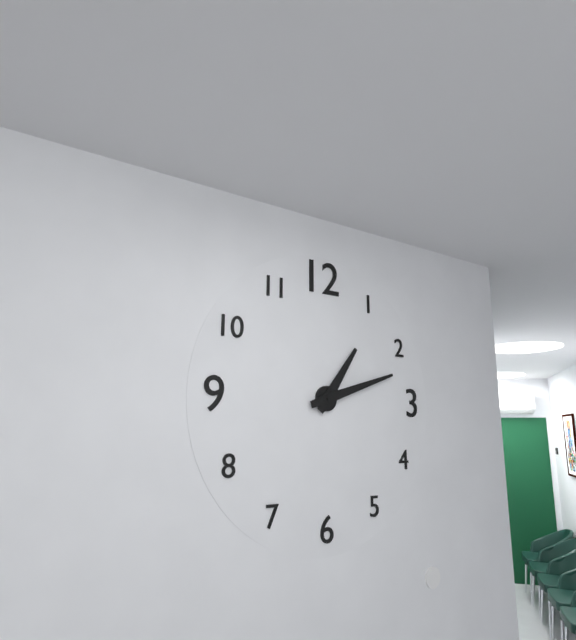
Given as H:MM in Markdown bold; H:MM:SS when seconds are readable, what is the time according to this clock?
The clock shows **1:12**
